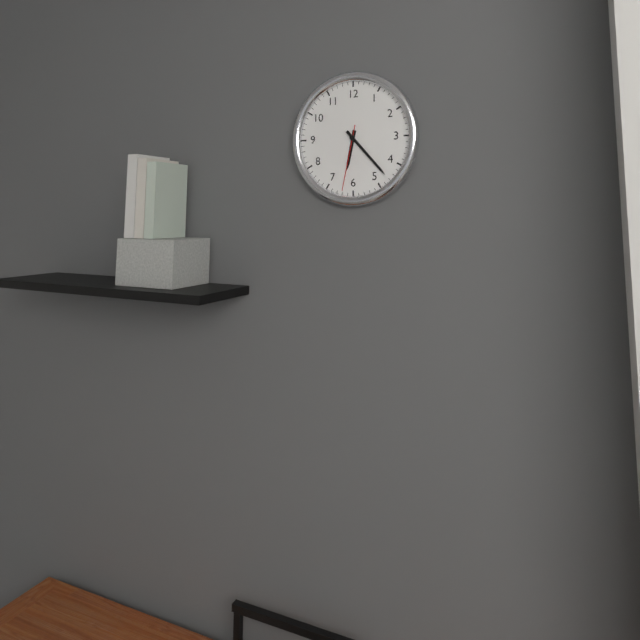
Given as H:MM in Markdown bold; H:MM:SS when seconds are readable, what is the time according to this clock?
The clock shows **6:23:32**
